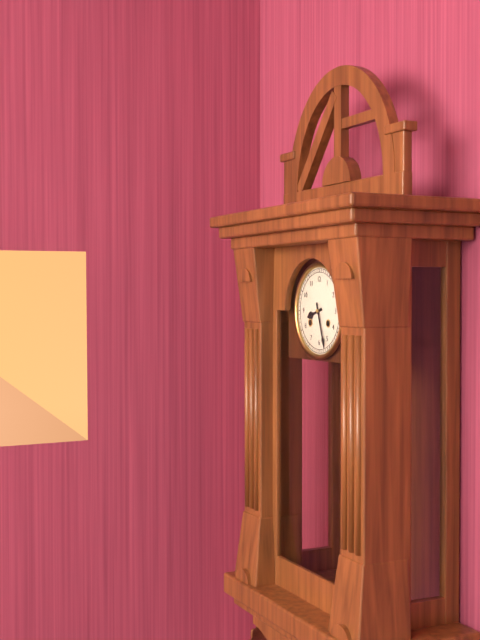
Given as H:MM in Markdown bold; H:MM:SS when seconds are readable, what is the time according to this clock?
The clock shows **8:27**
